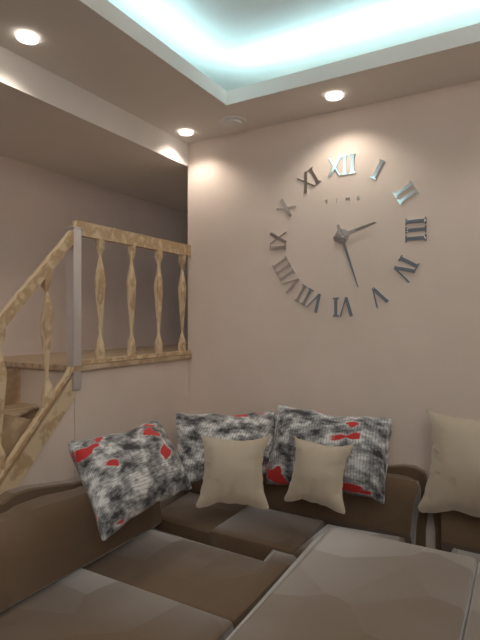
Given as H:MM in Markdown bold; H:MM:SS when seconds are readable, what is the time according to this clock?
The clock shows **2:27**
